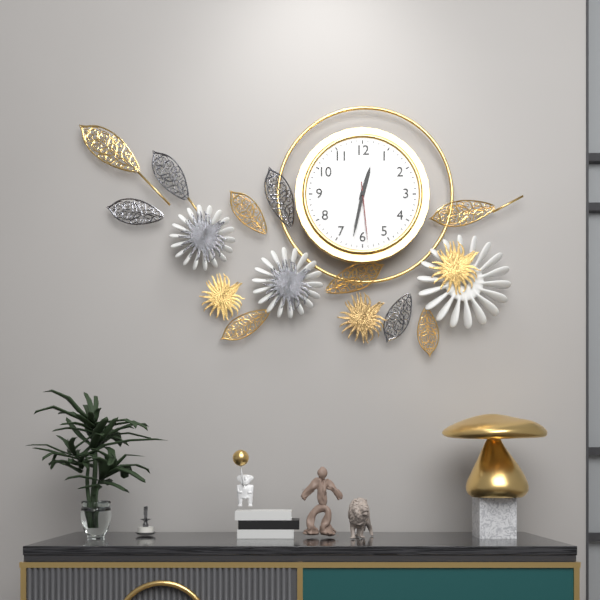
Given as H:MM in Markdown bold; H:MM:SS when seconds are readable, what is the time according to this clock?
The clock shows **12:32:29**
